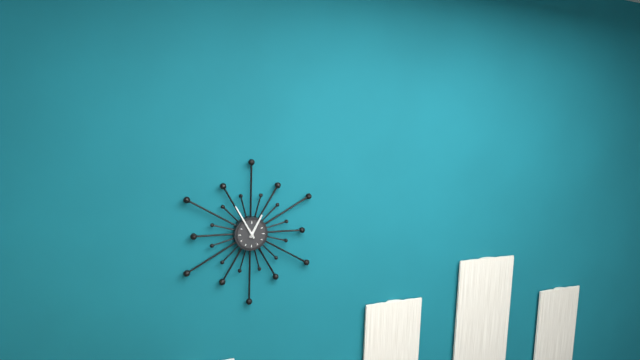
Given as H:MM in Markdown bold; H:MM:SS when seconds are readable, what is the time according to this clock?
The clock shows **12:55**
